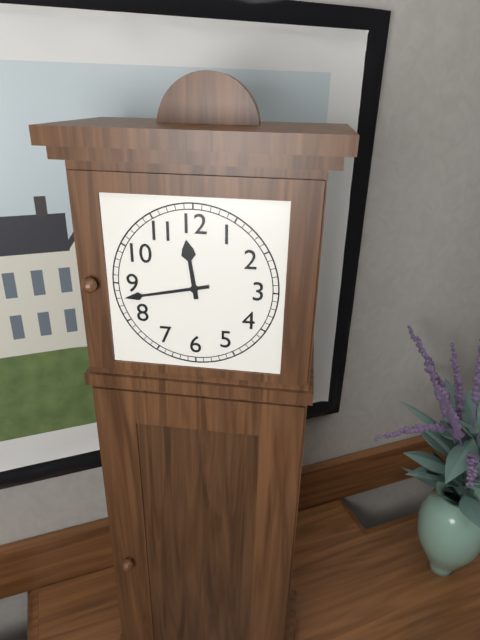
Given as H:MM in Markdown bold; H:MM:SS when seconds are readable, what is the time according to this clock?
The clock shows **11:43**
